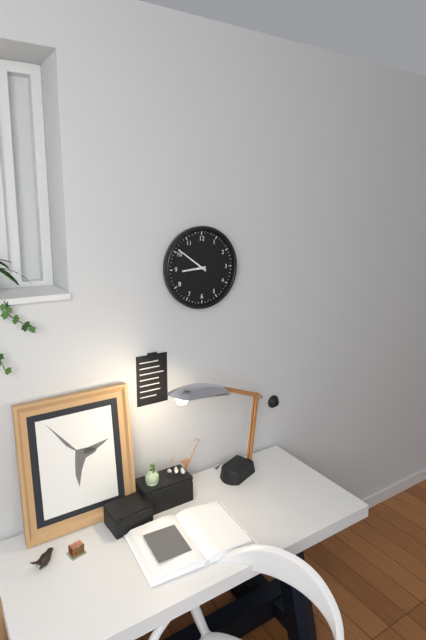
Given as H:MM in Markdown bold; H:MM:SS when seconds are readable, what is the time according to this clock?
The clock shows **8:51**
